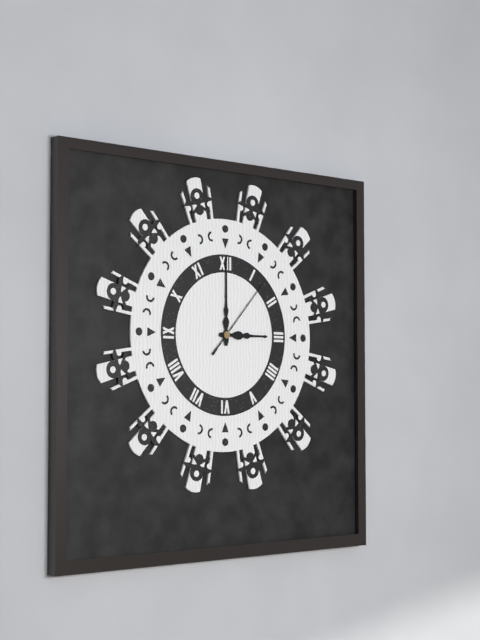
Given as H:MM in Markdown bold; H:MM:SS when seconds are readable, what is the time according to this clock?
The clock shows **3:00:07**
